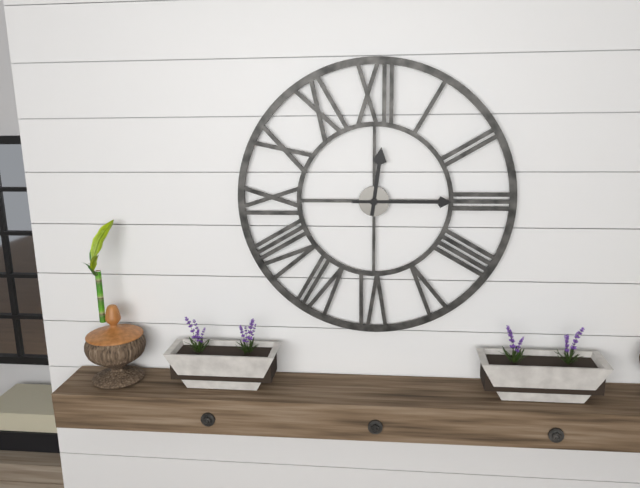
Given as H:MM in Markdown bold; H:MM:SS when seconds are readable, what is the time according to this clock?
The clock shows **12:15**
